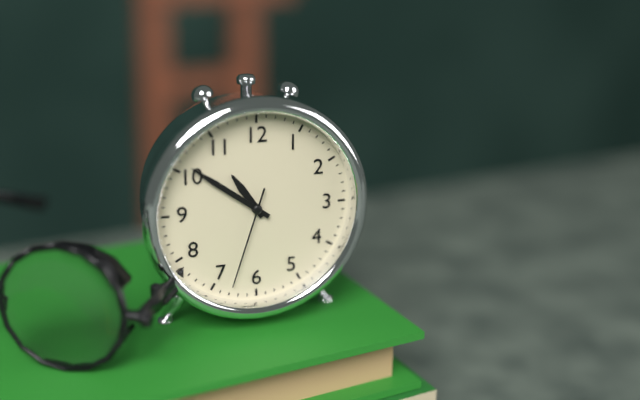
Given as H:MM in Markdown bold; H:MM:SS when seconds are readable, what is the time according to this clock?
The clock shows **10:51:33**
